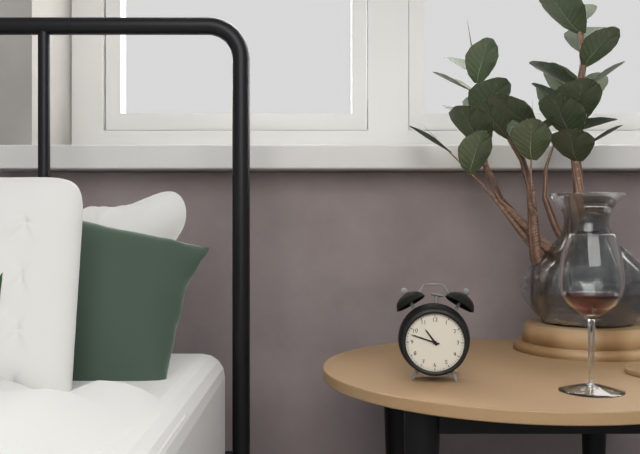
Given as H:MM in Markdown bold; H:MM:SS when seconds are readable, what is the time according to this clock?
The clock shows **10:48**
